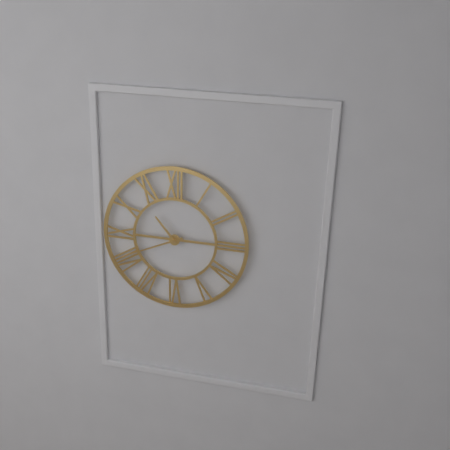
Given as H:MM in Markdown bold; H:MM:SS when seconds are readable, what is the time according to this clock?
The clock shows **10:41**
